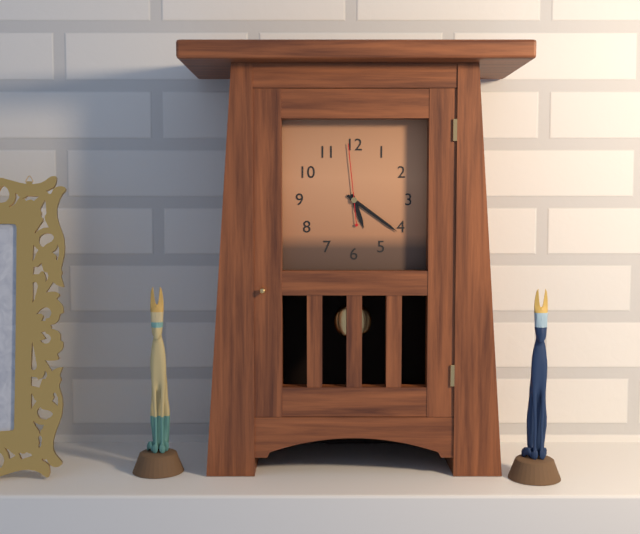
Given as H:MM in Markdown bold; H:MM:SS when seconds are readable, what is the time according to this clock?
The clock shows **5:21:59**
